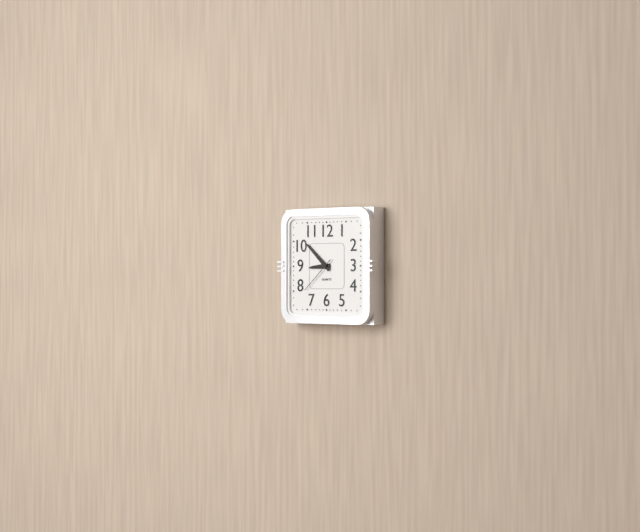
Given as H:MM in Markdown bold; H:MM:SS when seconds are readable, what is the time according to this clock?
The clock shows **8:52:38**
